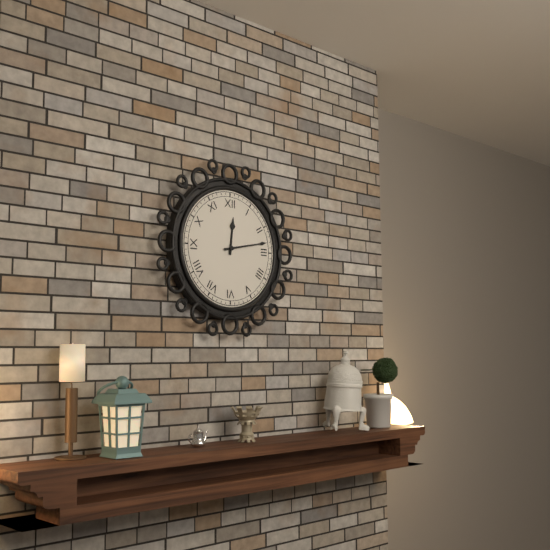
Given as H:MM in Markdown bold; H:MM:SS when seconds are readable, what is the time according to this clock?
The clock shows **12:13**
